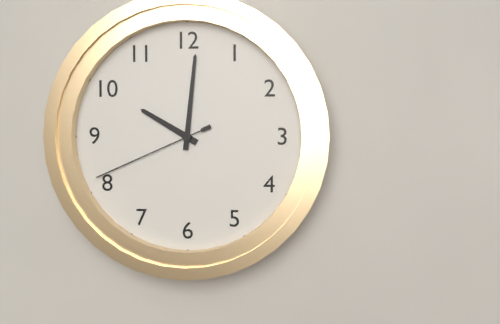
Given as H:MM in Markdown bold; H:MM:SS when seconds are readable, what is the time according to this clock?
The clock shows **10:01:41**
